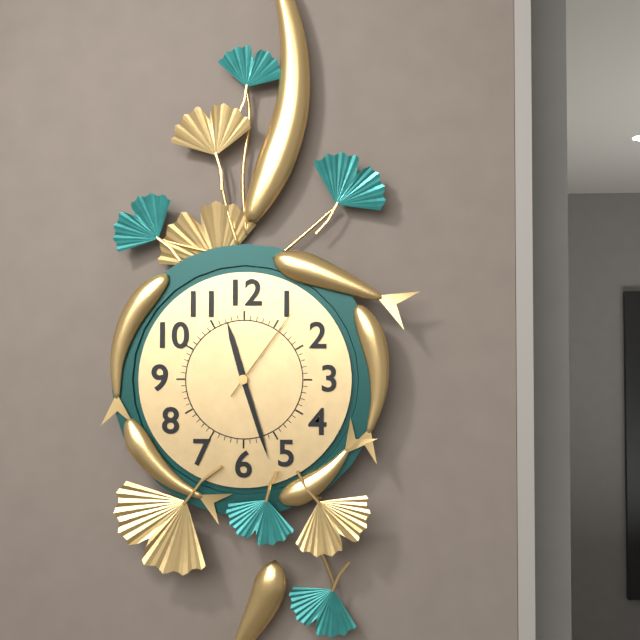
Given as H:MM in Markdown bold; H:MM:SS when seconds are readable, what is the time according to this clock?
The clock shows **11:27:06**
